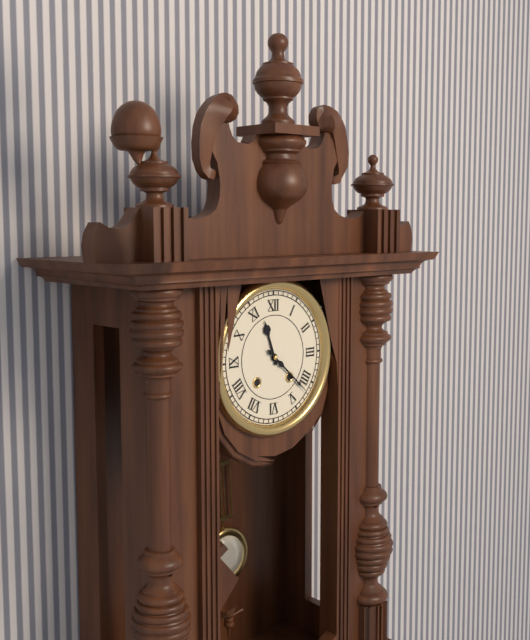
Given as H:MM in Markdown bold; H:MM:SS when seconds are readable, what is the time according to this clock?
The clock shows **11:22**
